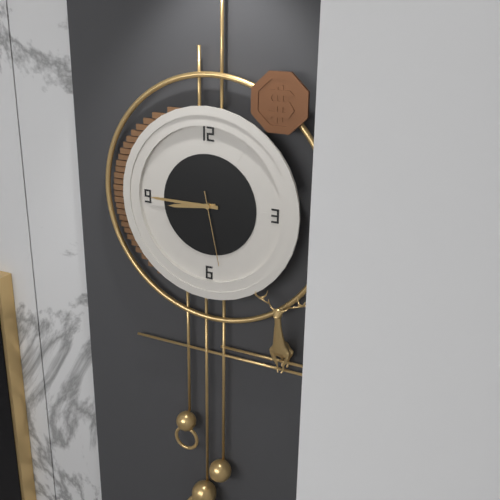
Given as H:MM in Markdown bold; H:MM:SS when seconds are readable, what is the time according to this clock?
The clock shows **8:45:28**
